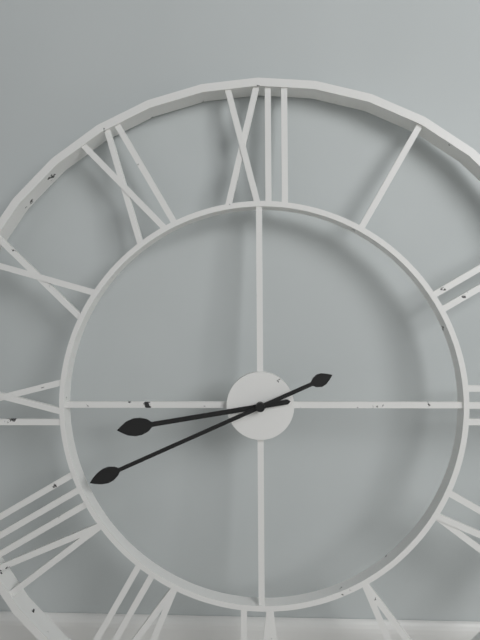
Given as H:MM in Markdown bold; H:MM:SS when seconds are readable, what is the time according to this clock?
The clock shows **8:41**
